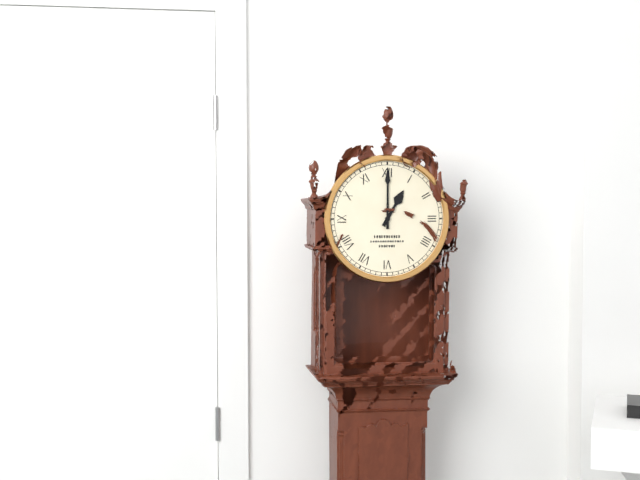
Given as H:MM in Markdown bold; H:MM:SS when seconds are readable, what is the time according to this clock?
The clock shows **1:00**
